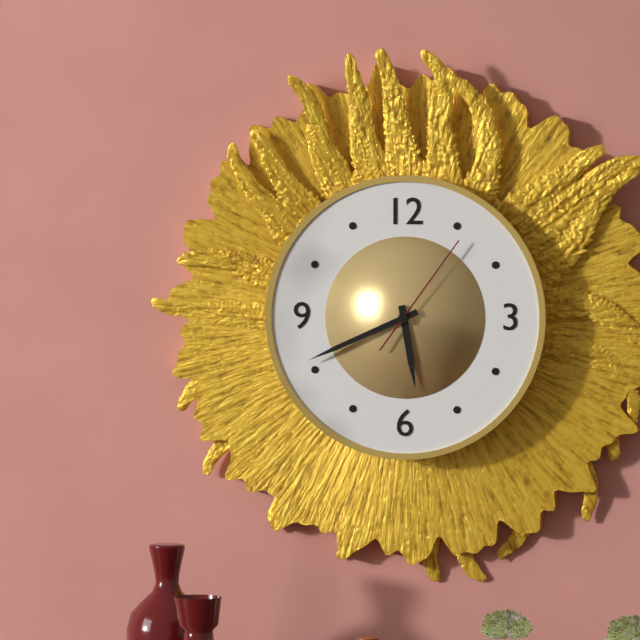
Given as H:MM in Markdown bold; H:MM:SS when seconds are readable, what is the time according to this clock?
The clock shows **5:41:06**
